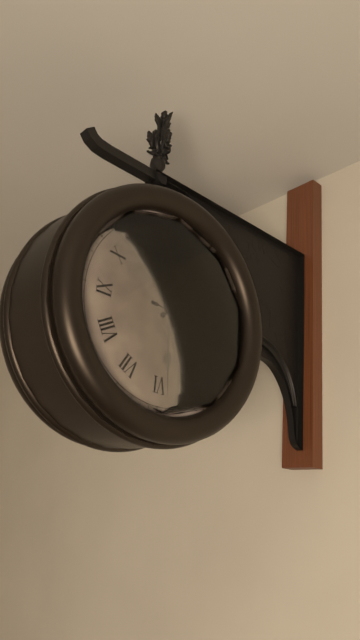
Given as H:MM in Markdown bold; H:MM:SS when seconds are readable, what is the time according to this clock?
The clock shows **1:29:16**
